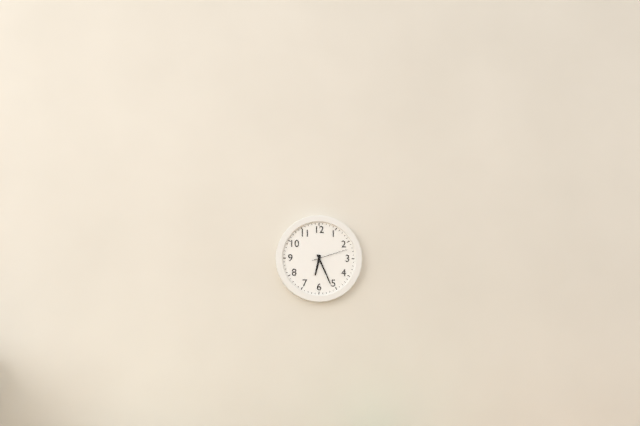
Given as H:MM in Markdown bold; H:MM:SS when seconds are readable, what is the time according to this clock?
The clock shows **6:26**
